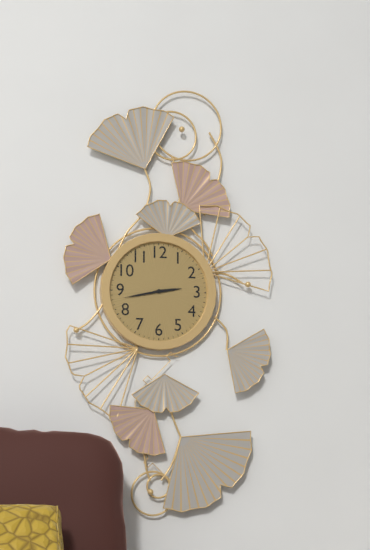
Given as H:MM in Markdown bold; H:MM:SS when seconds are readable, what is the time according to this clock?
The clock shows **2:43**
